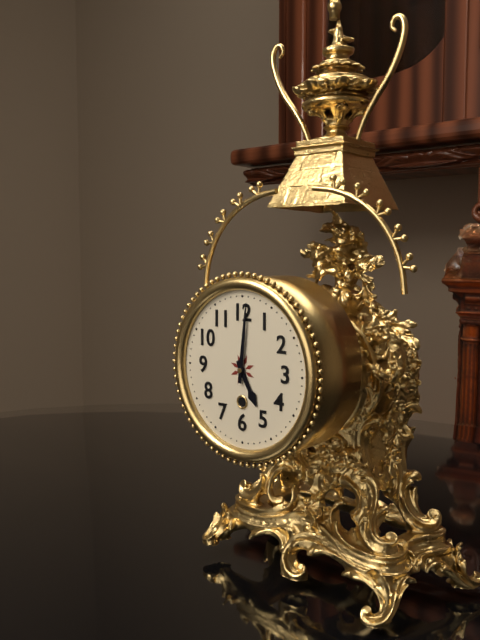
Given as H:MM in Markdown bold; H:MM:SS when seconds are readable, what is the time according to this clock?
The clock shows **5:01**
